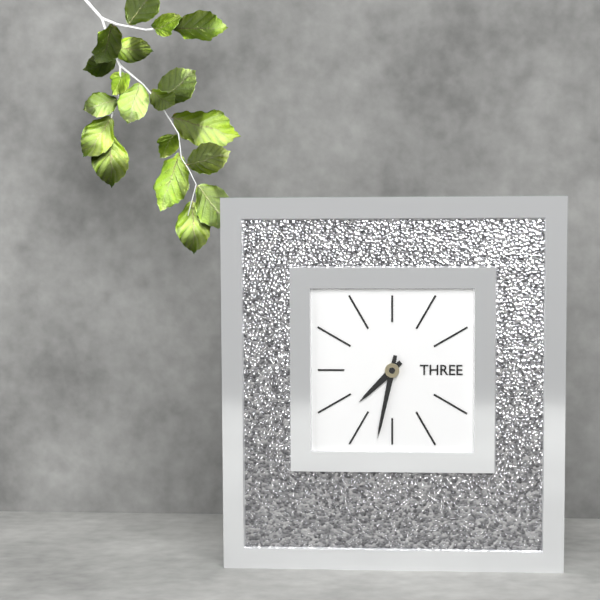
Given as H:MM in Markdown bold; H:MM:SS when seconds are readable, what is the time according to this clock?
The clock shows **7:32**
